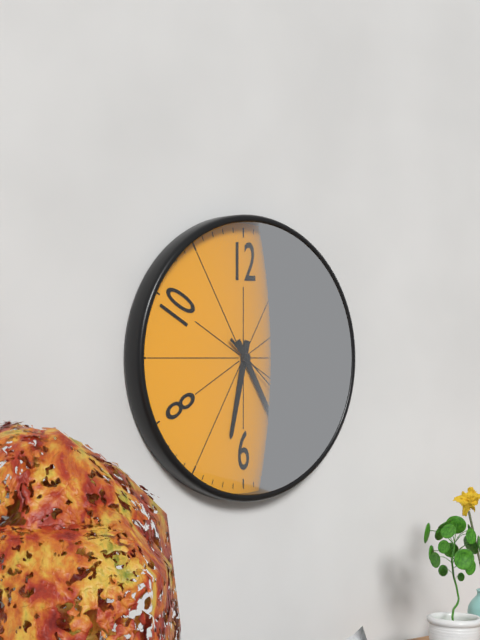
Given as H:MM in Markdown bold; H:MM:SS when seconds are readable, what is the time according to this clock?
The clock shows **6:25:22**
